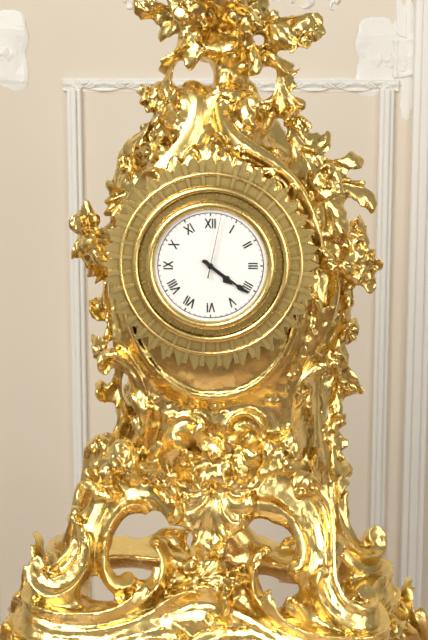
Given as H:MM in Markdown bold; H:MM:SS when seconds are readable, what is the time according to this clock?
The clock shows **4:21:02**
